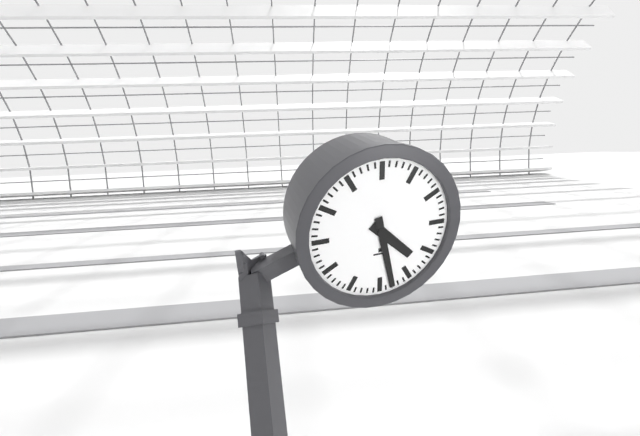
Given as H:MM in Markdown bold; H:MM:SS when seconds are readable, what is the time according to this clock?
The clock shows **4:28**
